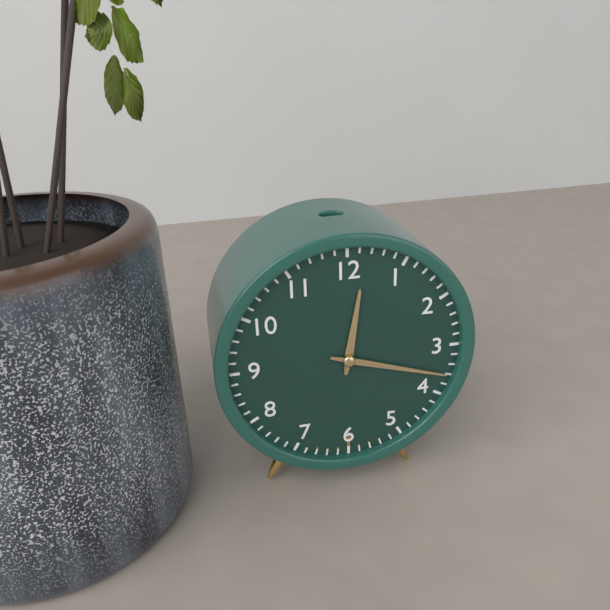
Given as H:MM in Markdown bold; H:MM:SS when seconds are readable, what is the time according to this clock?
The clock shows **12:18**
